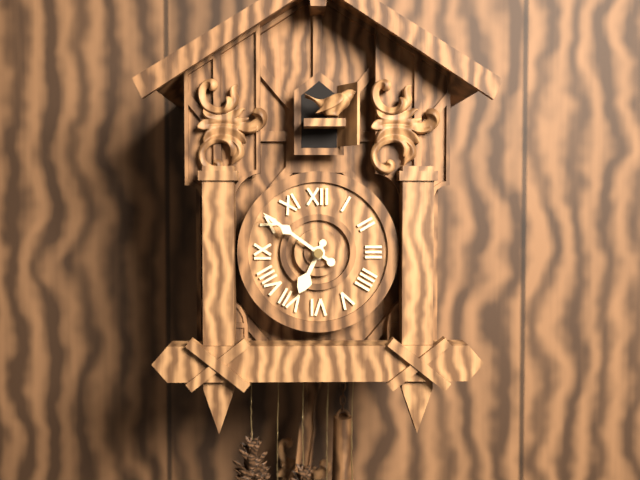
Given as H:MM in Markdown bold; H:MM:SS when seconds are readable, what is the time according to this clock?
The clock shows **6:51**
